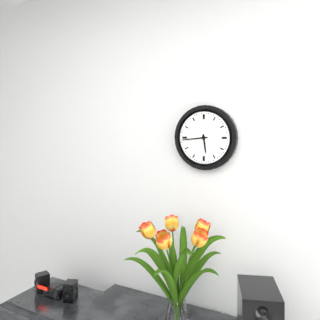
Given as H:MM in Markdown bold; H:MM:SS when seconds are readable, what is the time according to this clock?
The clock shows **5:44**
